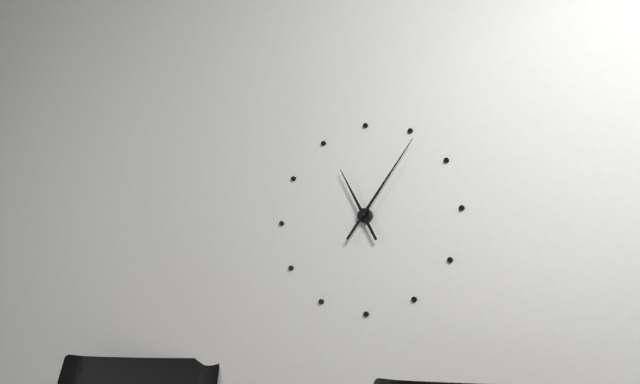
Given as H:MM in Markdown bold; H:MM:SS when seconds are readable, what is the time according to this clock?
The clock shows **11:06**
